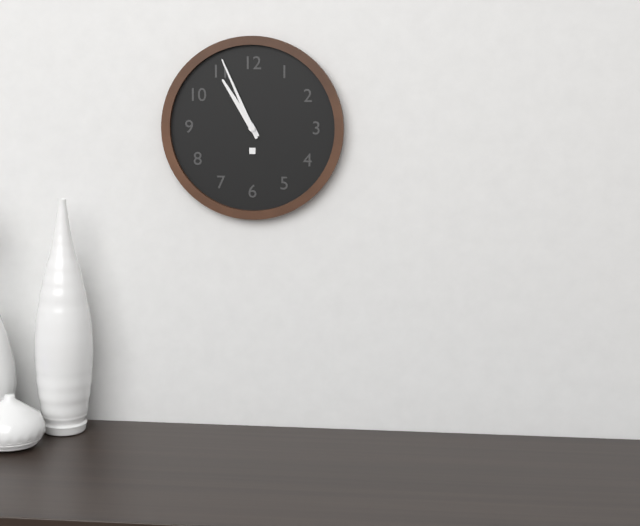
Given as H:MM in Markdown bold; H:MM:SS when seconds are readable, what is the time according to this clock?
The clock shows **10:56**
